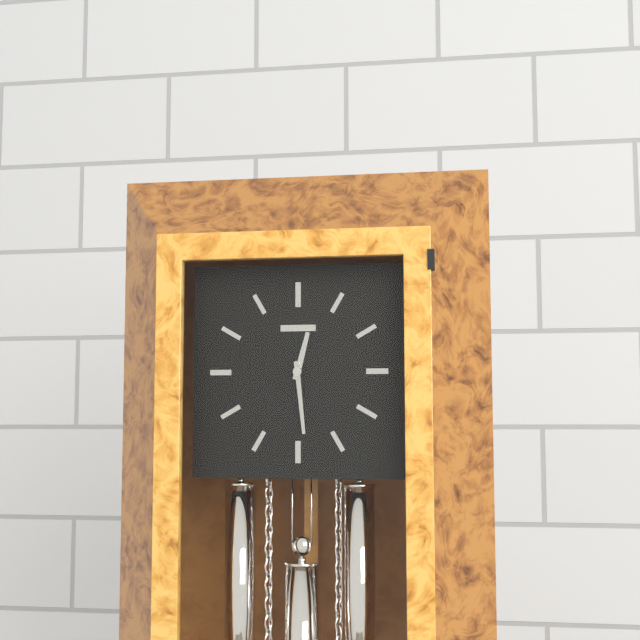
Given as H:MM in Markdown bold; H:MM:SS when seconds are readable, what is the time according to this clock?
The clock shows **12:29**
